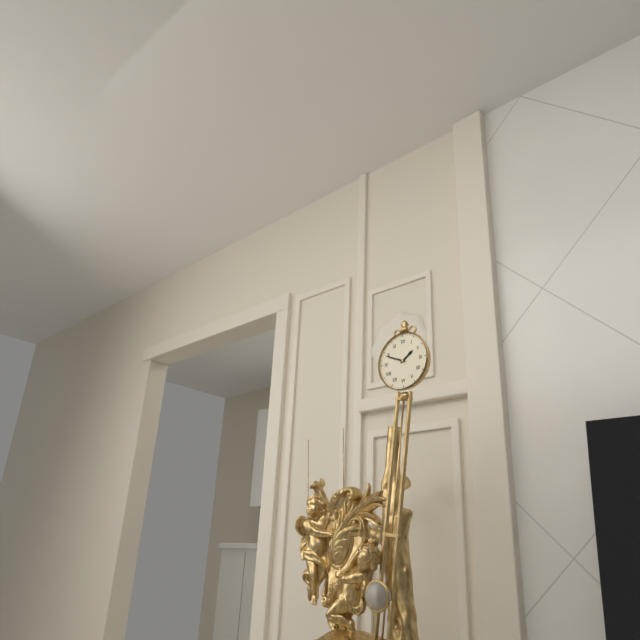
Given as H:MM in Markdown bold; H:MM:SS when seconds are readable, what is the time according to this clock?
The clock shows **1:49**
